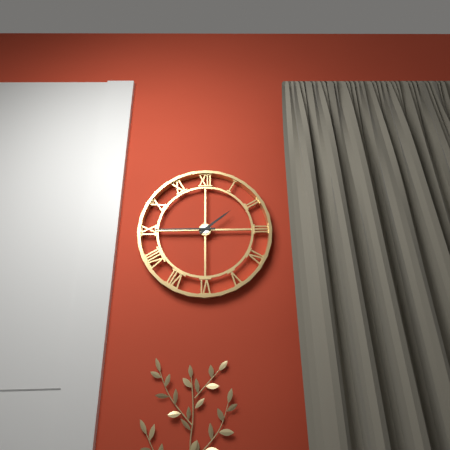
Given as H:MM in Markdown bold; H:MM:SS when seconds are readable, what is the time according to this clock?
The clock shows **1:45**
